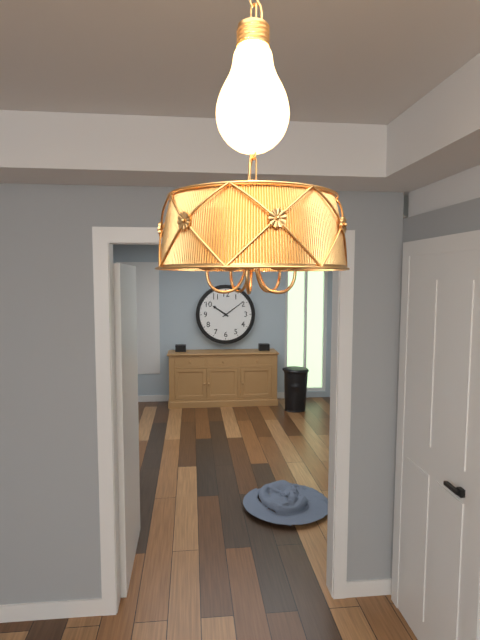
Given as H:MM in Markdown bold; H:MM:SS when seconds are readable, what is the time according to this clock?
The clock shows **10:09**
